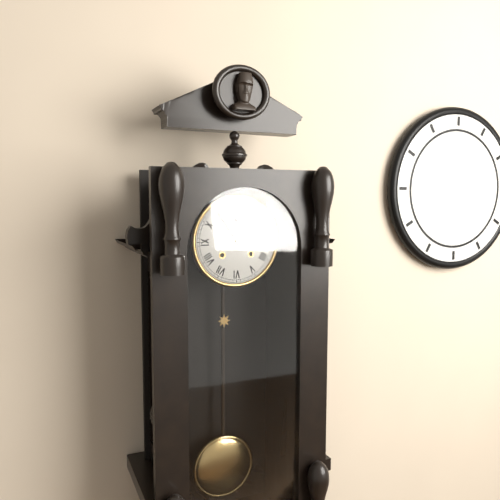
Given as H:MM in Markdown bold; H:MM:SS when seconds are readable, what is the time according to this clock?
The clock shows **11:54**
